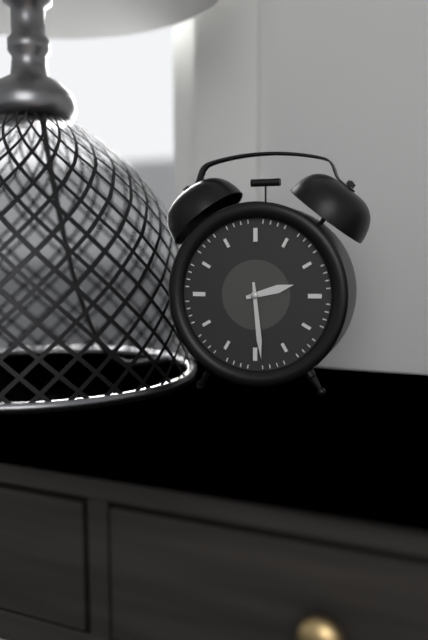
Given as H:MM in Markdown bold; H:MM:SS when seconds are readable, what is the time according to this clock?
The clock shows **2:29**
